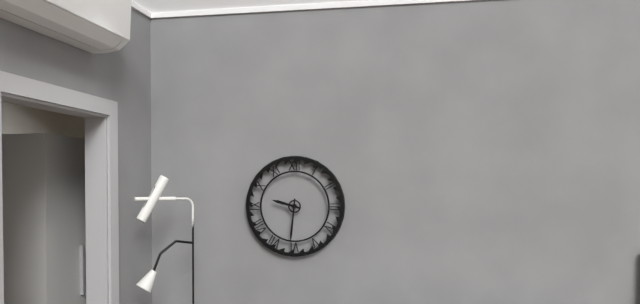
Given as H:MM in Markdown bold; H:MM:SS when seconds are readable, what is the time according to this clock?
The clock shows **9:31**
